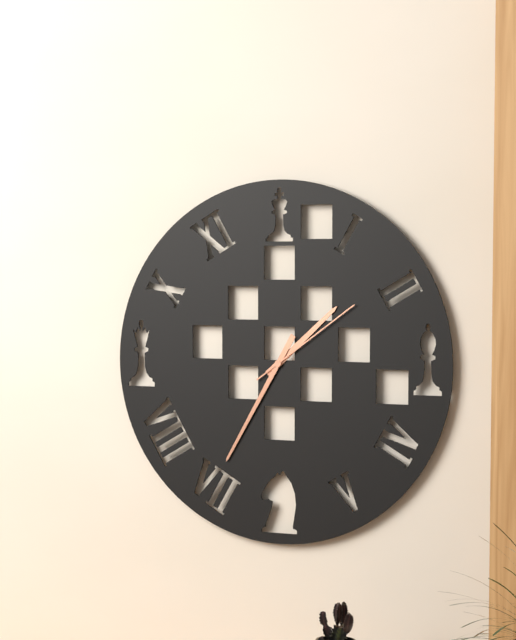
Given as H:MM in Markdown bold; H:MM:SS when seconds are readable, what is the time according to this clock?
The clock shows **1:35:09**
